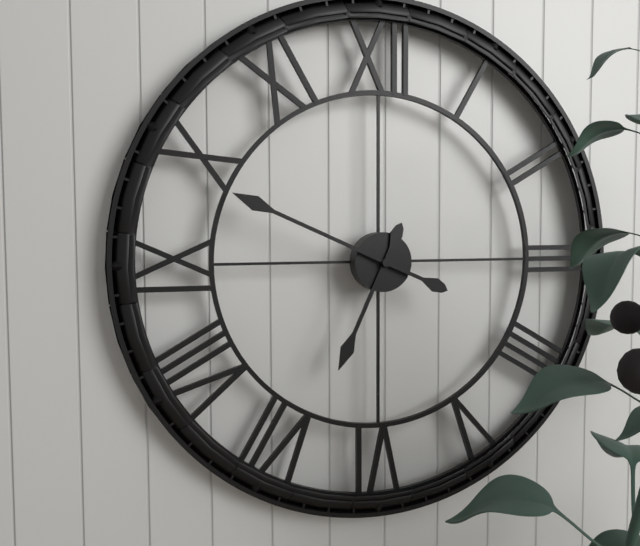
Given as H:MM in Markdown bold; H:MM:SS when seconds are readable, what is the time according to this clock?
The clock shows **6:49**
